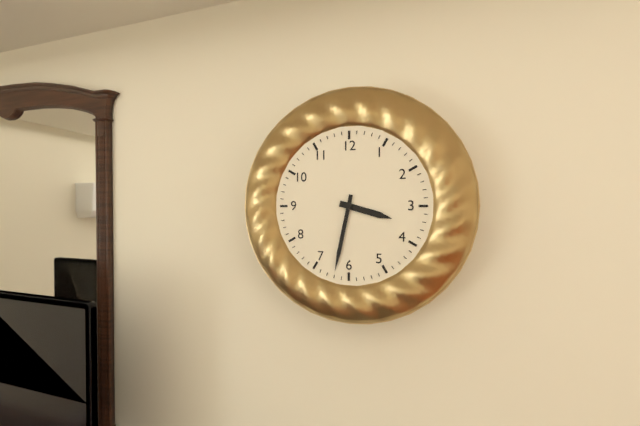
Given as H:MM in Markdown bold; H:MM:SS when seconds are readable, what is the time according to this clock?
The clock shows **3:32**
